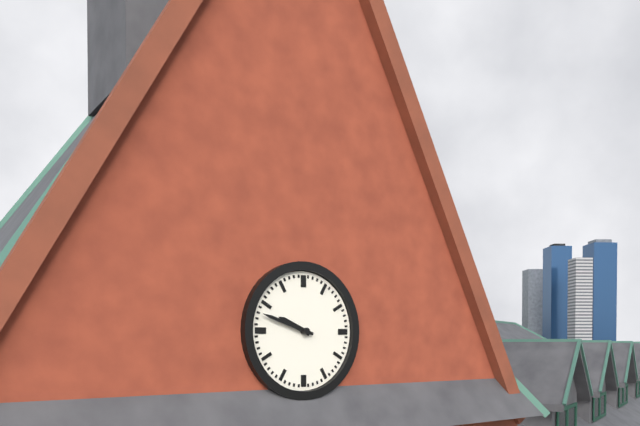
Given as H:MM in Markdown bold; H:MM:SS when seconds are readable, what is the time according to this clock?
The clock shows **9:48**
